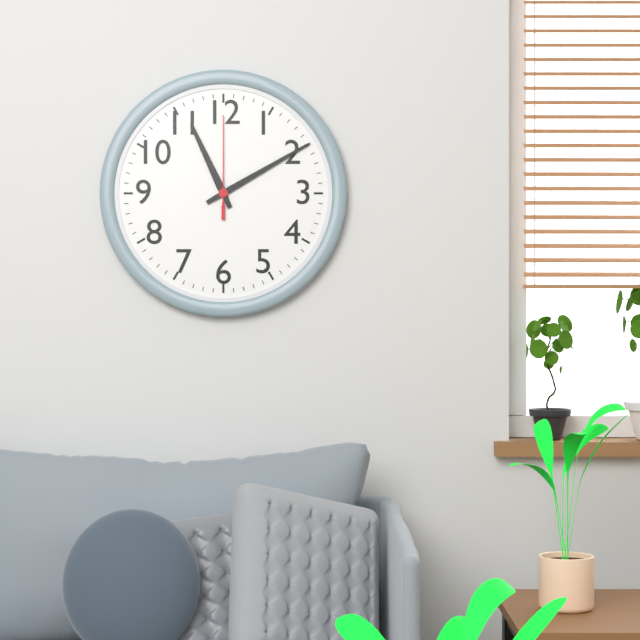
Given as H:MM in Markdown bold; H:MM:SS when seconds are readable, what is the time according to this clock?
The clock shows **11:10:00**
